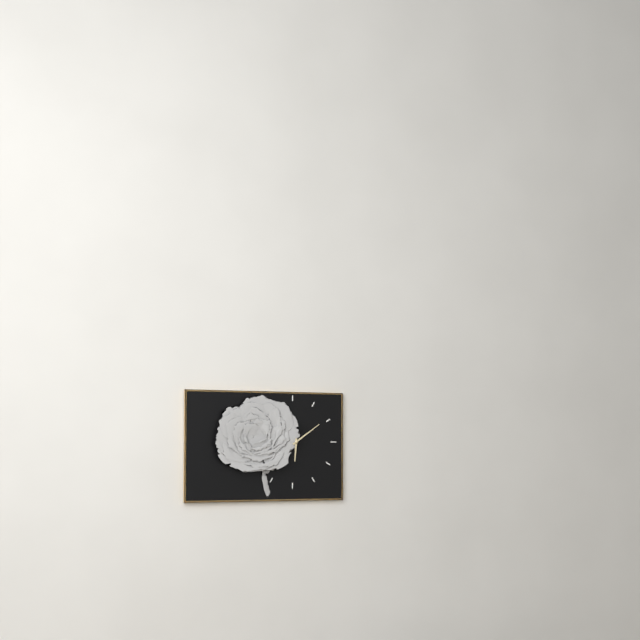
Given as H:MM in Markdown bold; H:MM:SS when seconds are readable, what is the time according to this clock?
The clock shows **6:09**
